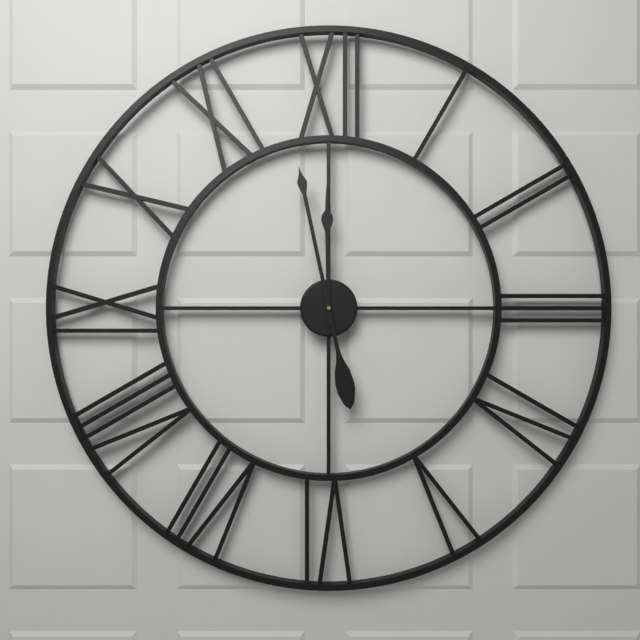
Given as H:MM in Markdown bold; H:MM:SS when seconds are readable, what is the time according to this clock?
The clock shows **11:58**
